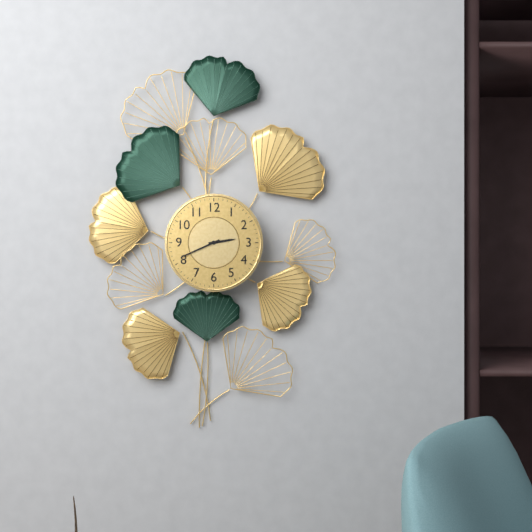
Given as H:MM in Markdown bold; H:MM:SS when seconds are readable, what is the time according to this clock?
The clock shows **2:41**
